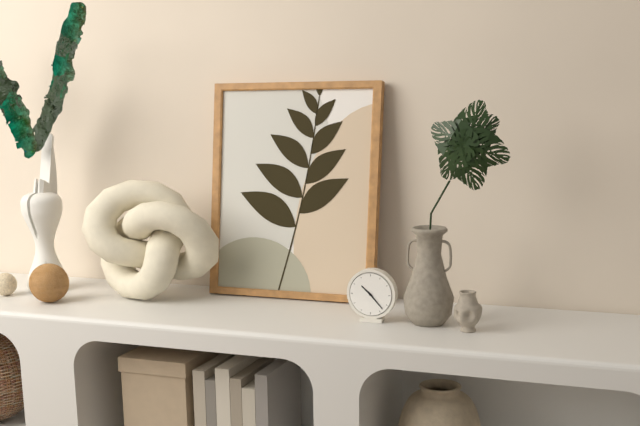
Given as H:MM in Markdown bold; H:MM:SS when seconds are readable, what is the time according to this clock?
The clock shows **10:23**
